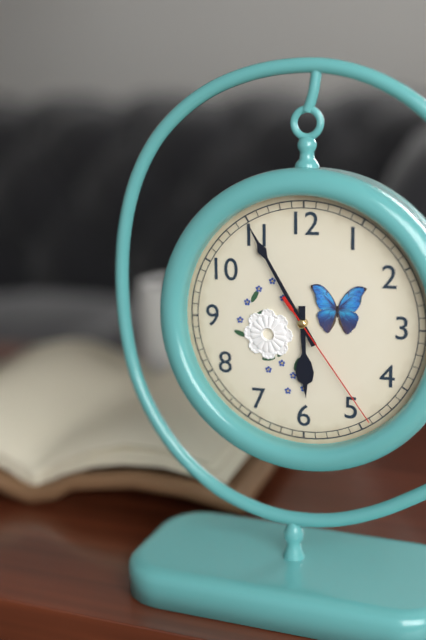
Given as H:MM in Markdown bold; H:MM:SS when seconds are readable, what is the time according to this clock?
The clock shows **5:55:24**
